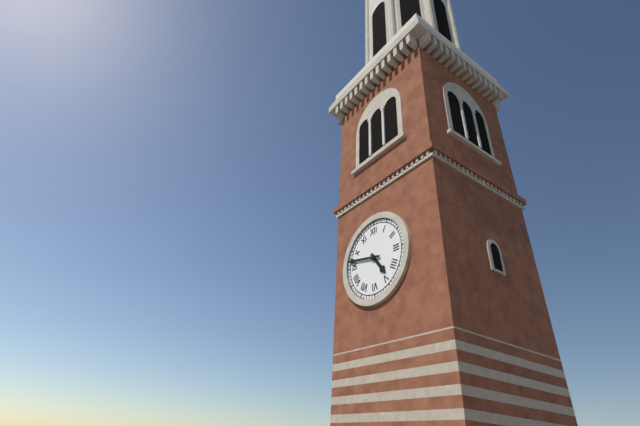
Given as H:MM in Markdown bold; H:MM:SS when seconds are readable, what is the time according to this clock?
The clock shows **4:47**
